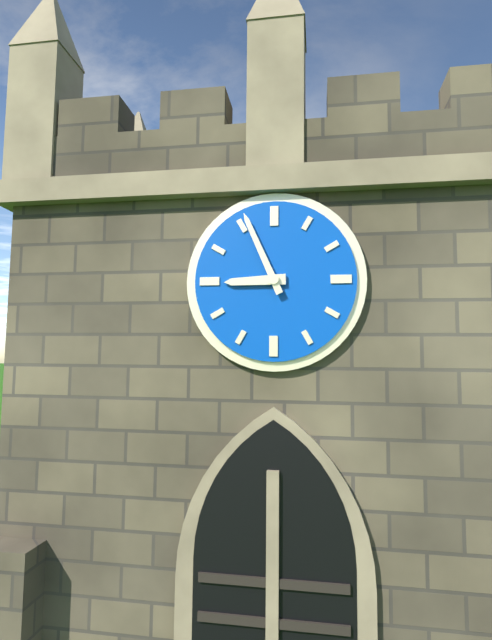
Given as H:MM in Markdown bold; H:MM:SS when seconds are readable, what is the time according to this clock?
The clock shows **8:56**
